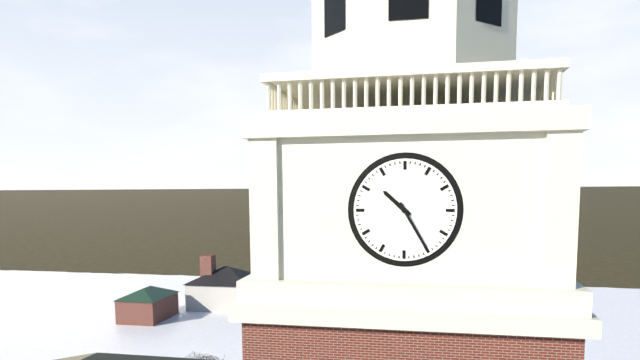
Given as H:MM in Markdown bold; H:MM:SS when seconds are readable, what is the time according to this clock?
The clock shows **10:25**
